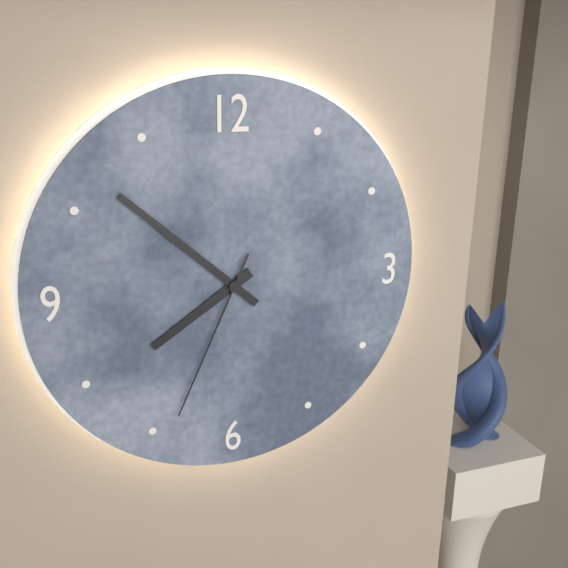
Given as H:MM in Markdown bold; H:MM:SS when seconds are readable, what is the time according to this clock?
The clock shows **7:52:34**
